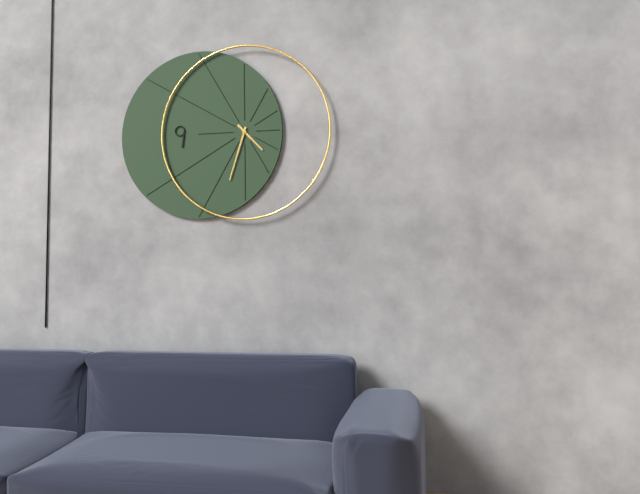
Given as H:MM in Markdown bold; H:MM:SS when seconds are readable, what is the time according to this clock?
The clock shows **4:33**
